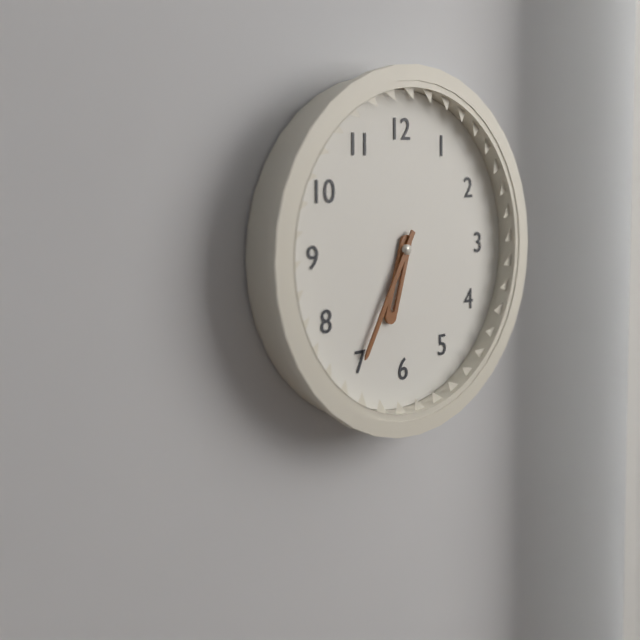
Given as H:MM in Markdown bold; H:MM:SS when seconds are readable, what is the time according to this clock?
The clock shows **6:35**
